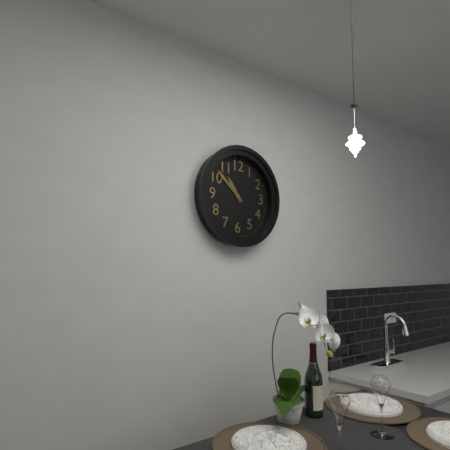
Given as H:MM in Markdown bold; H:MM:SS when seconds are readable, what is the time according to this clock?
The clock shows **10:52**
